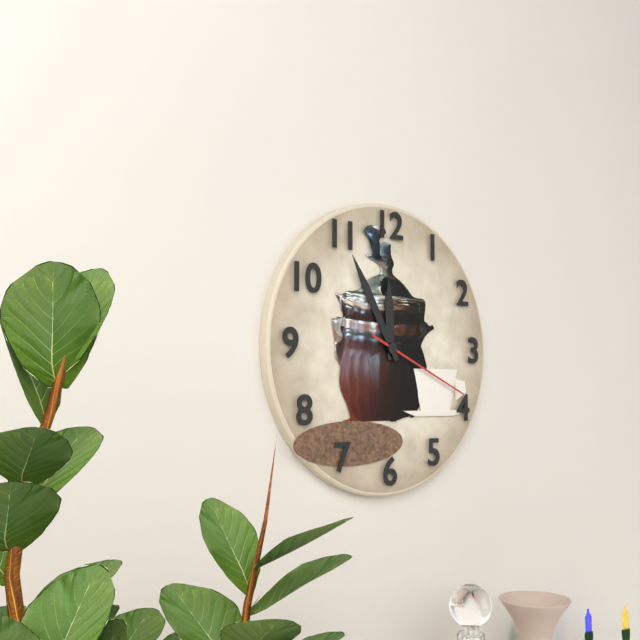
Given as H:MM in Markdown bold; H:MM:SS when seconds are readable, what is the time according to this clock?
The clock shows **11:55:19**
